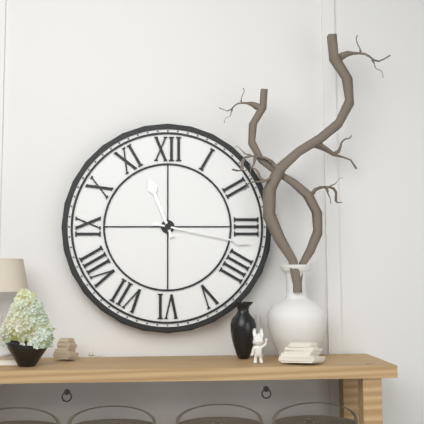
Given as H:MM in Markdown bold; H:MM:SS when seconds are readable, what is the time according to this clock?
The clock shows **11:17**
